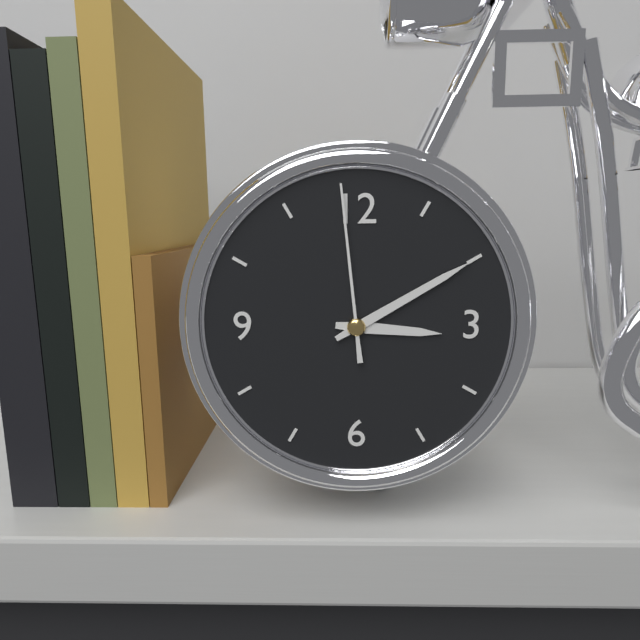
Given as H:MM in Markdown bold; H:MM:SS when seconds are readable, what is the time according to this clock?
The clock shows **3:10:59**
